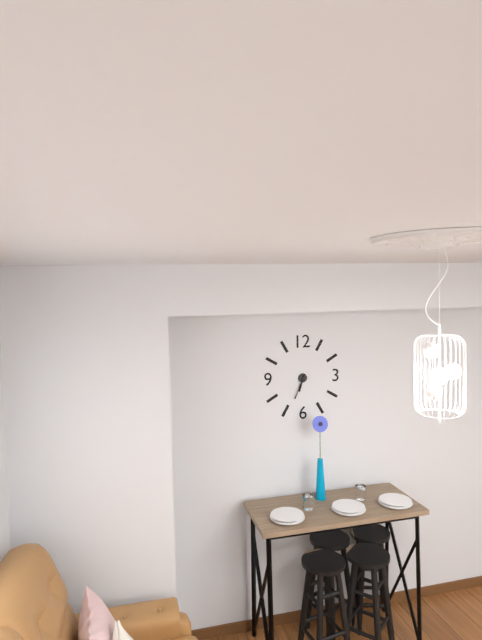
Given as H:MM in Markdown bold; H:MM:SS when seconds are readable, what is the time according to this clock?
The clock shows **6:34**
